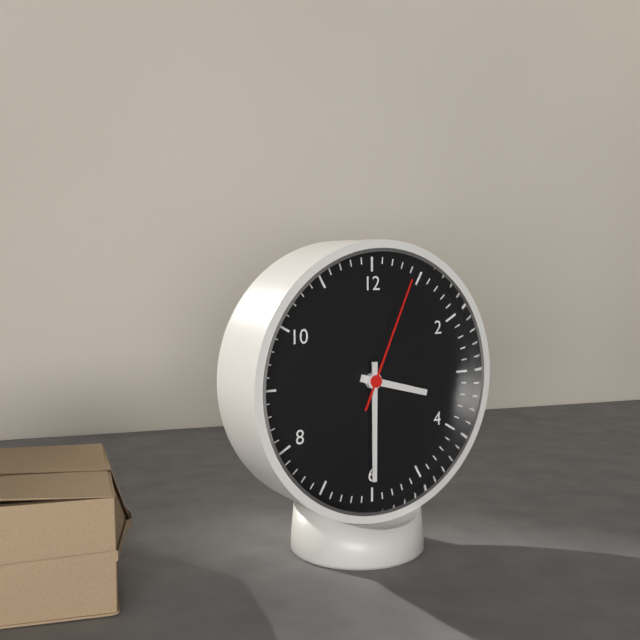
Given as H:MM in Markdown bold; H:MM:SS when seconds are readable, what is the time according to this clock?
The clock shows **3:30:04**
